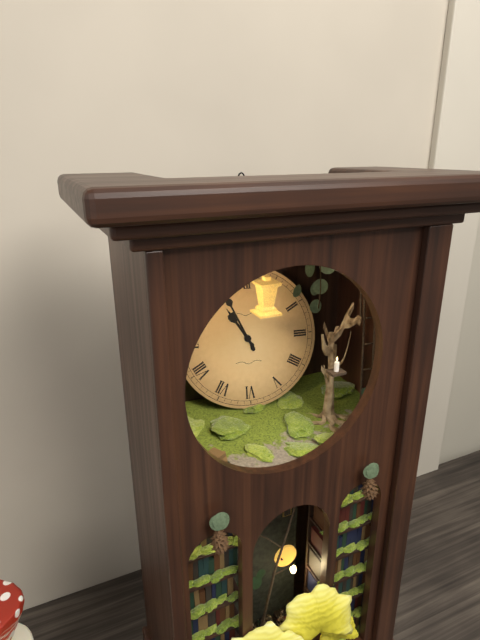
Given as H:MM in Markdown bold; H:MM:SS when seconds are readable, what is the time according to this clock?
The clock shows **10:56**
